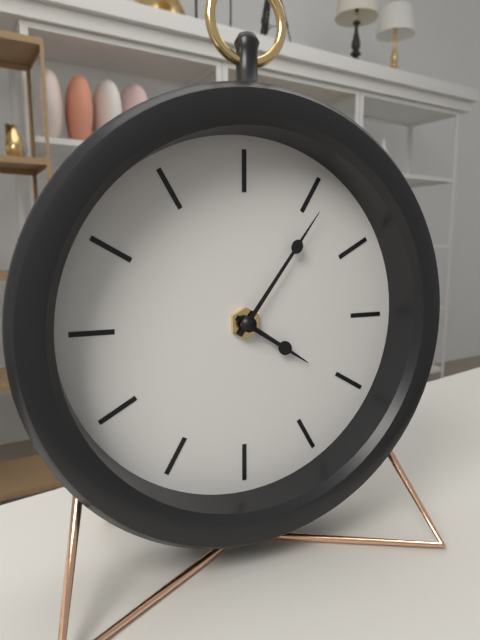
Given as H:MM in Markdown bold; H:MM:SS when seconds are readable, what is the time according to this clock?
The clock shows **4:06**
